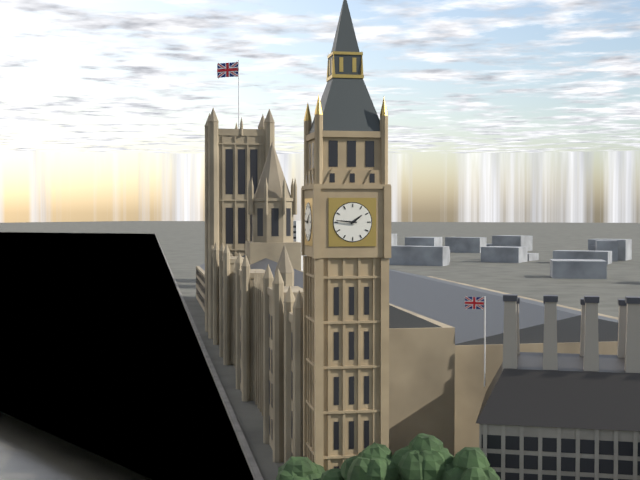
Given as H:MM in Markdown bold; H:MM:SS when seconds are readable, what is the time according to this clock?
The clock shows **1:46**
